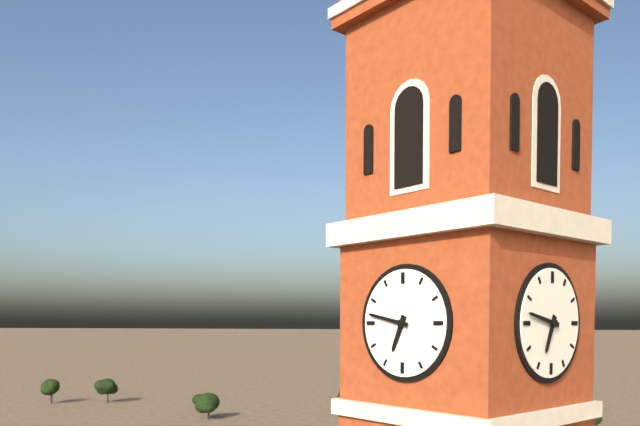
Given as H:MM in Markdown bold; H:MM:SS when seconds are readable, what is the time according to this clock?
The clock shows **6:47**
